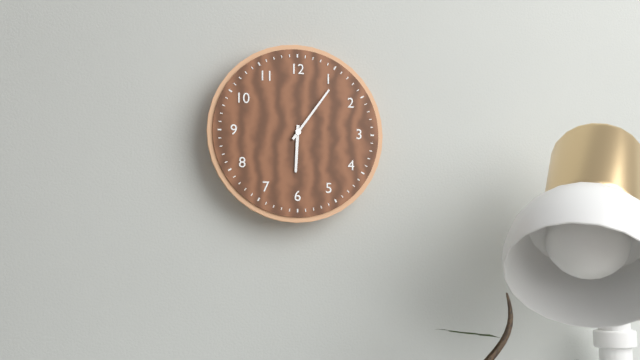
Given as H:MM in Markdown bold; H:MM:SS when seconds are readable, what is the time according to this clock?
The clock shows **6:06**
